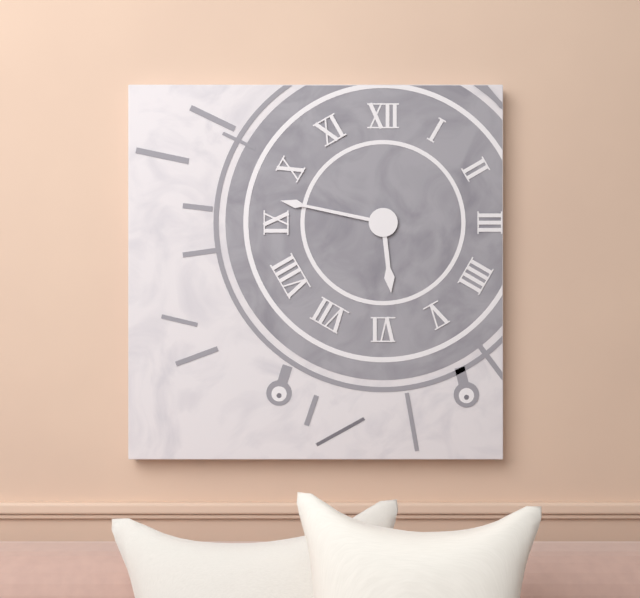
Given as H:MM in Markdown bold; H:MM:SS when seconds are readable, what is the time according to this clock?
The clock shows **5:47**
